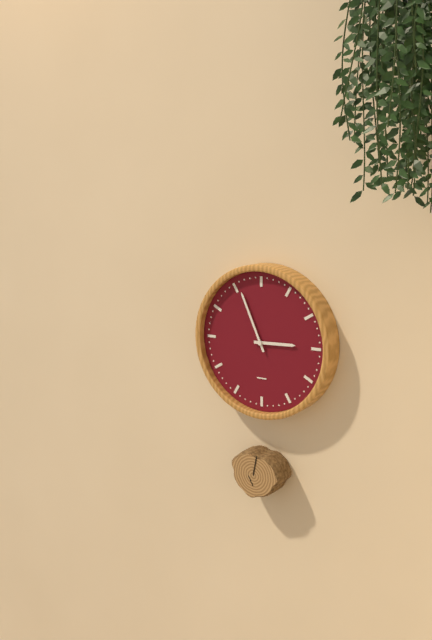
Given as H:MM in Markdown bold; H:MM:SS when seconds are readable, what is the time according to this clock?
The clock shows **2:56**
